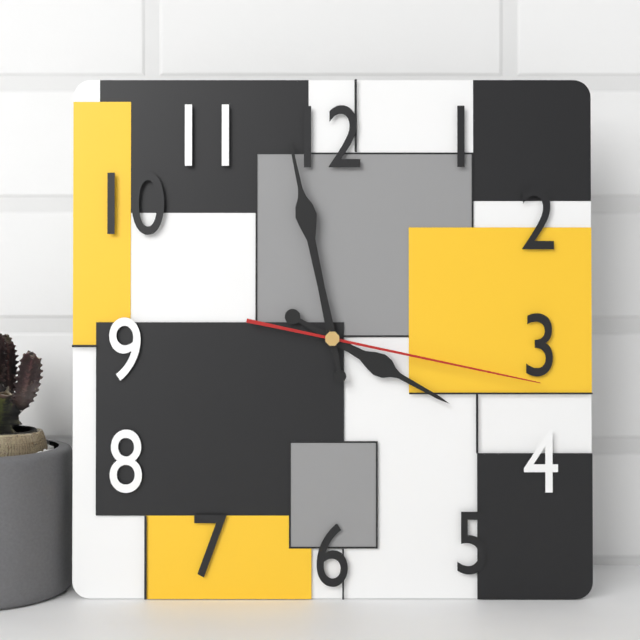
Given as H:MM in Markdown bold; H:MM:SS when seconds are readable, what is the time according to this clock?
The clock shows **3:58:17**
